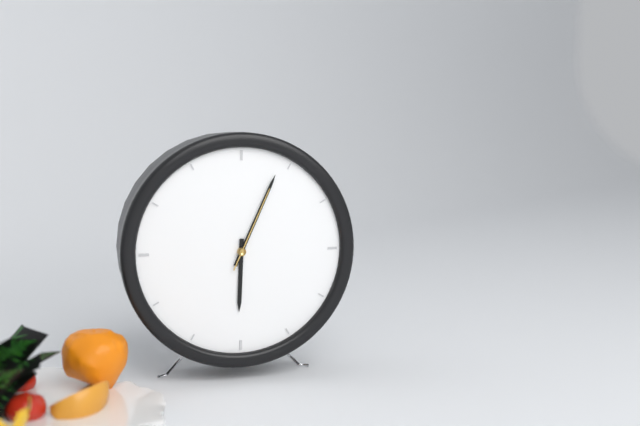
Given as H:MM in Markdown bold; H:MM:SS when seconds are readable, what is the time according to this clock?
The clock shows **6:04:04**
